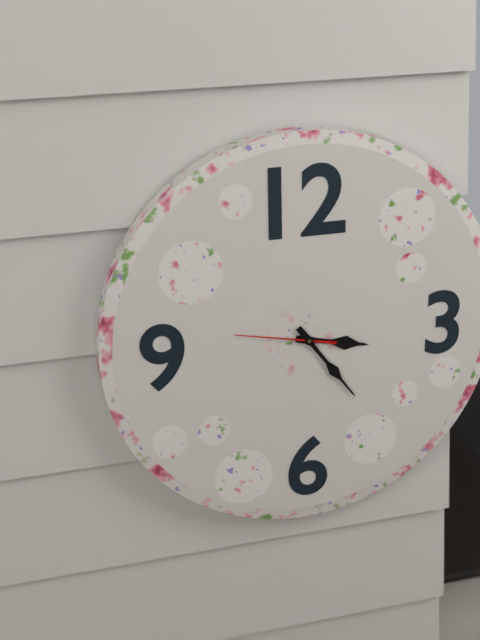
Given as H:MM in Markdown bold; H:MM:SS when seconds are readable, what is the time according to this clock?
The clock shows **3:24:47**
